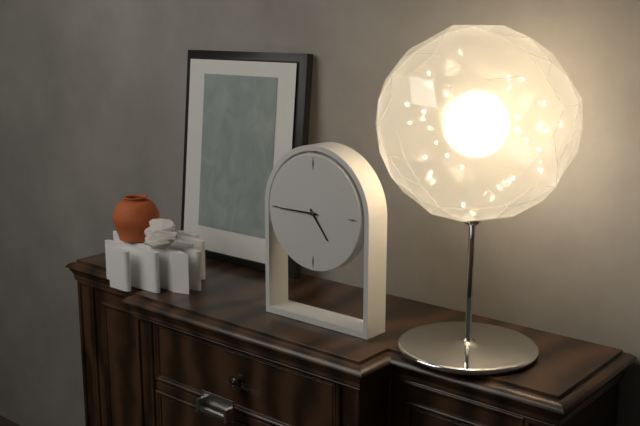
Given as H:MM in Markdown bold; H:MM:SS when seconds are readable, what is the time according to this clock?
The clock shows **4:45**
